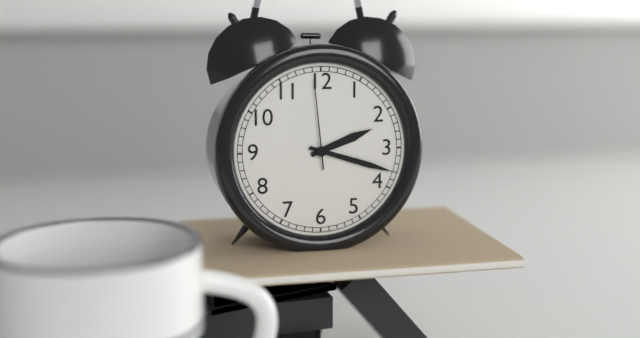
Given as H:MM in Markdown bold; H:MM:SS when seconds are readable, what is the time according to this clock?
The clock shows **2:18:59**
